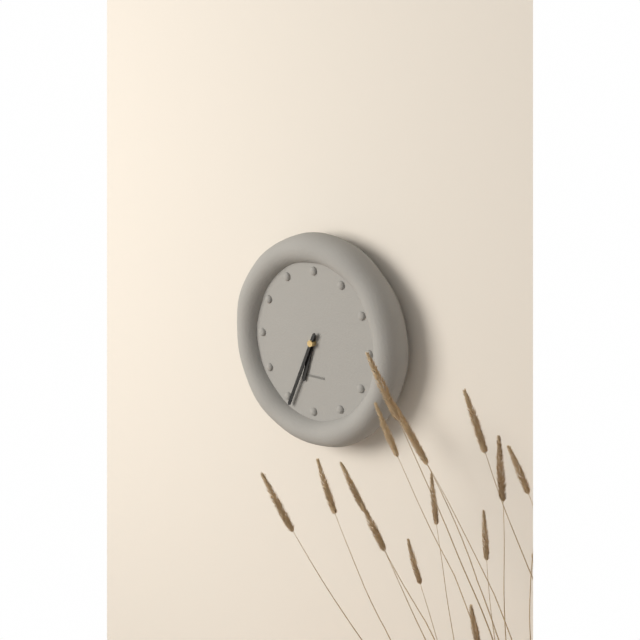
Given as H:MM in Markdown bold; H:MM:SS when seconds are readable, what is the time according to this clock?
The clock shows **6:34**
